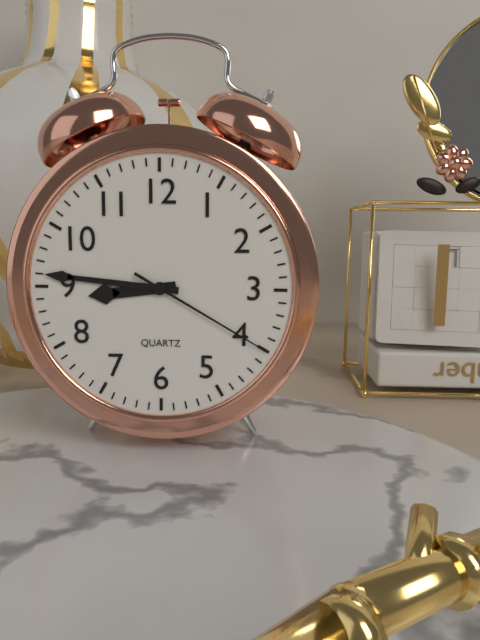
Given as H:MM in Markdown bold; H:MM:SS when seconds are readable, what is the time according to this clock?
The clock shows **8:46:20**
